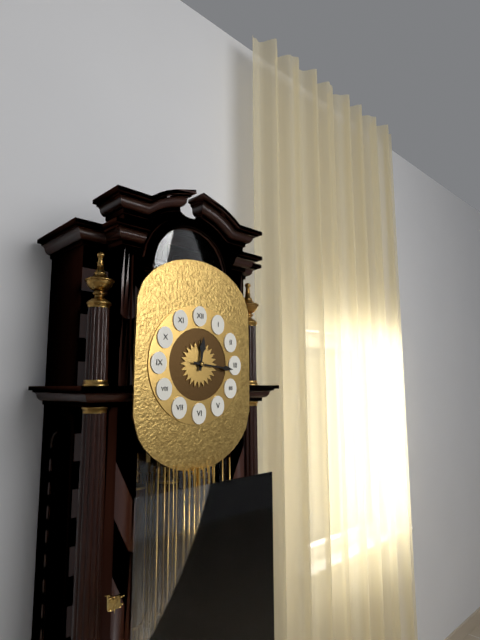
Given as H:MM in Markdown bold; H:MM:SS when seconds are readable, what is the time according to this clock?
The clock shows **12:16**
